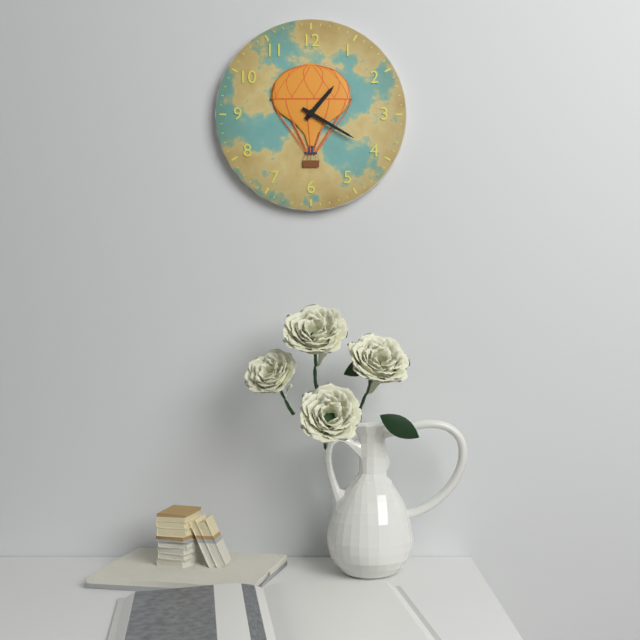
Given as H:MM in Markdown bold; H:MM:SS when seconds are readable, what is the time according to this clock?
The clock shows **1:20**
